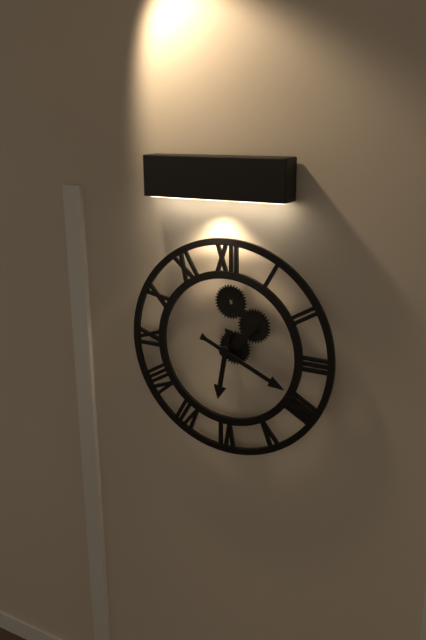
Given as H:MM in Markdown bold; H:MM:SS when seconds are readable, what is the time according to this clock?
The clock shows **6:19**
